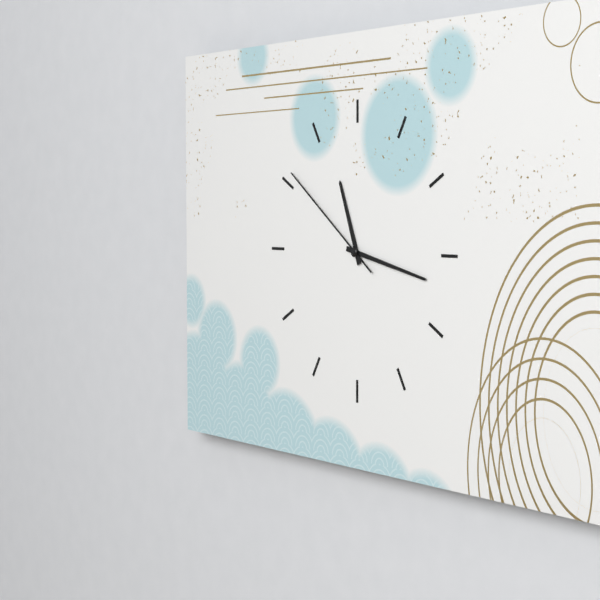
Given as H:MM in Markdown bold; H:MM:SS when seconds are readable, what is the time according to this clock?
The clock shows **11:17:51**
